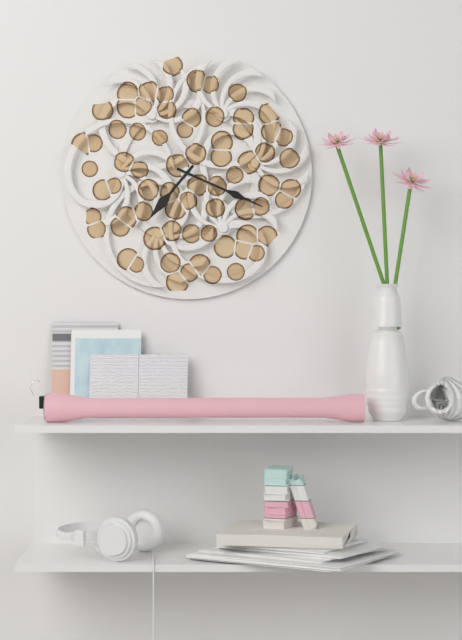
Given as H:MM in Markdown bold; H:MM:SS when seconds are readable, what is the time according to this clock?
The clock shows **7:19**
